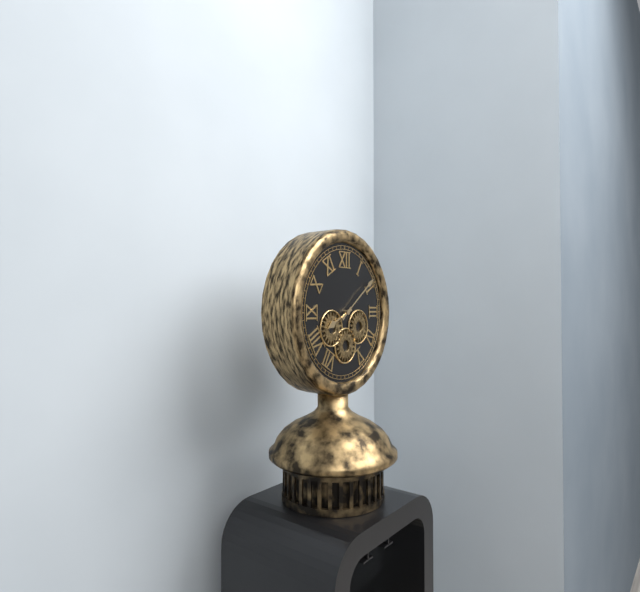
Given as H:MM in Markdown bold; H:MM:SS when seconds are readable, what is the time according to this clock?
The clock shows **8:09**
